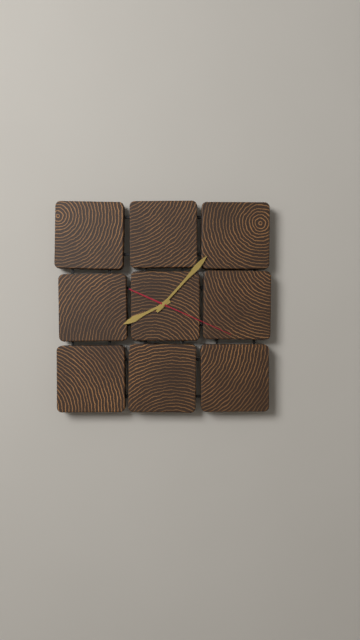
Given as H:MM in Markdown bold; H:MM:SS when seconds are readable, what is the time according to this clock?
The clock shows **8:07:19**
